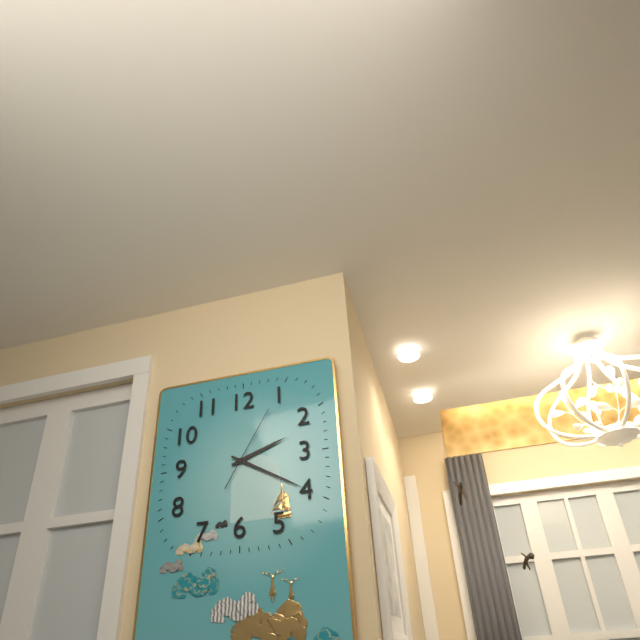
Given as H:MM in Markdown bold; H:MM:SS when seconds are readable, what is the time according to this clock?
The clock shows **2:20:05**
